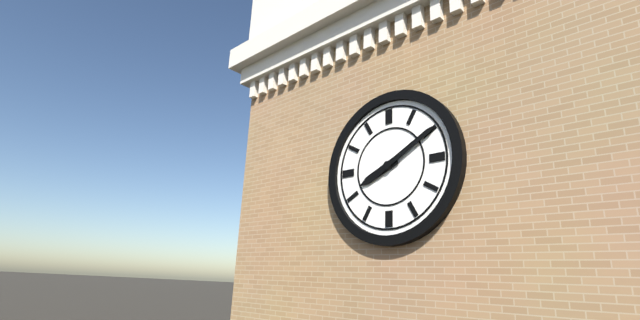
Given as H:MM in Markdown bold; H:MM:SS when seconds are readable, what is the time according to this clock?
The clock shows **8:10**
